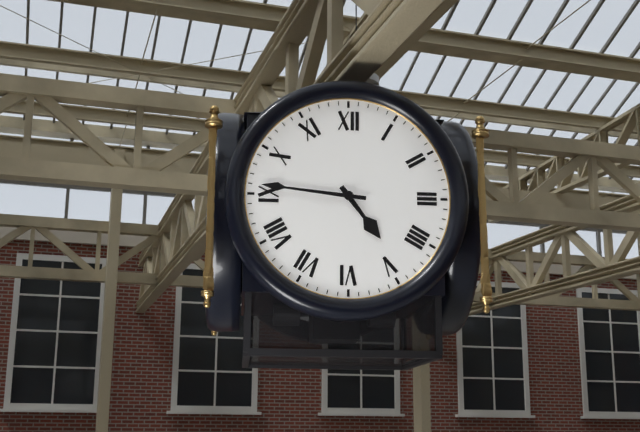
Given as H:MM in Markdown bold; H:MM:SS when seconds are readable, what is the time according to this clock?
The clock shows **4:46**
